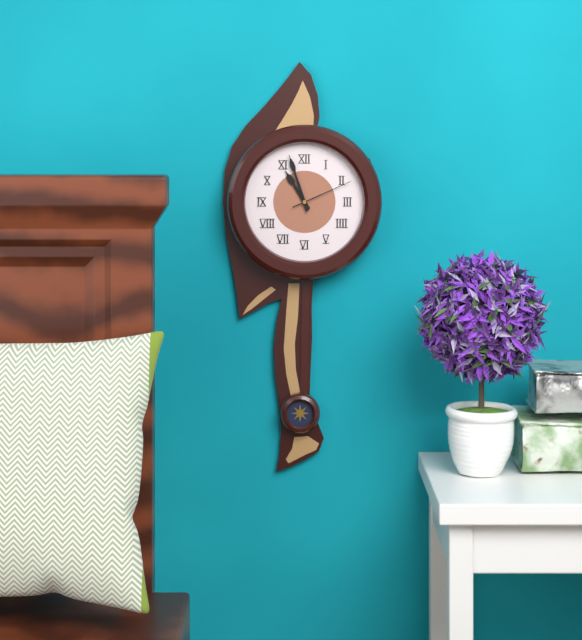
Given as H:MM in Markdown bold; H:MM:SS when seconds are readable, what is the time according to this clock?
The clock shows **10:57:11**
